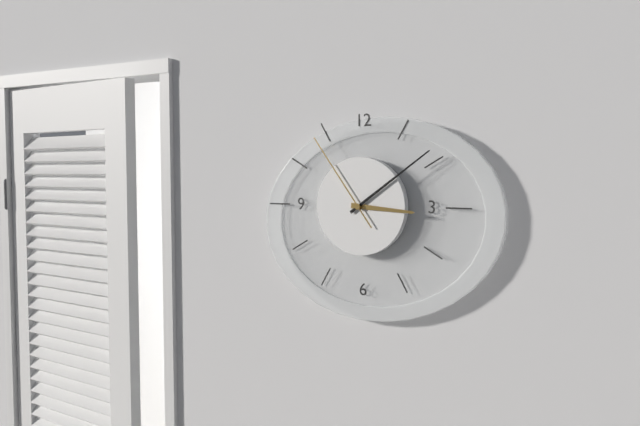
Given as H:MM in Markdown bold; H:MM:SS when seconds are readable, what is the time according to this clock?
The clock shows **3:09:54**
